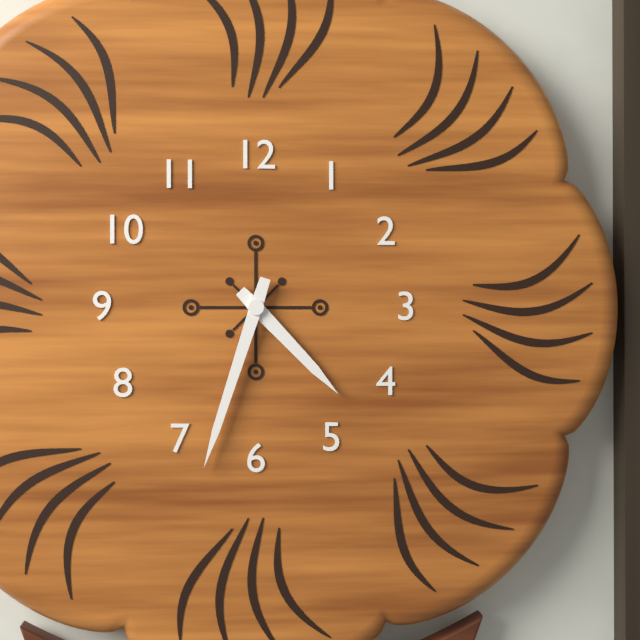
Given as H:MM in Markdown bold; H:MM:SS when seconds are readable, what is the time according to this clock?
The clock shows **4:33**
